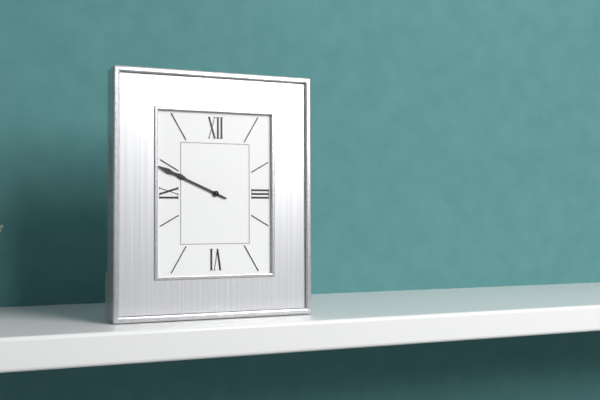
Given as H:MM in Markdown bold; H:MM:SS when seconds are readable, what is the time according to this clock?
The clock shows **9:49**
